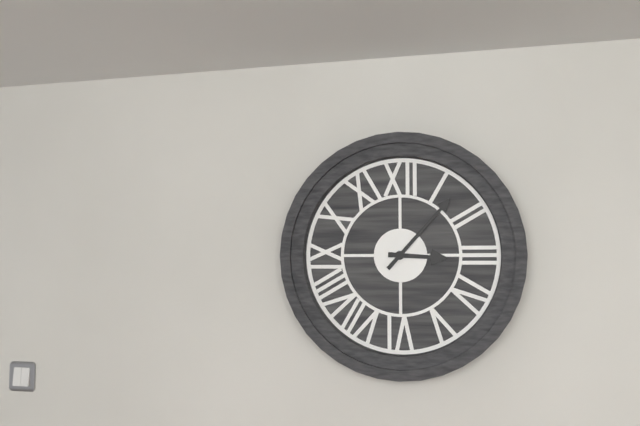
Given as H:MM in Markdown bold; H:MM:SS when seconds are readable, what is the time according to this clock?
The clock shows **3:07**
